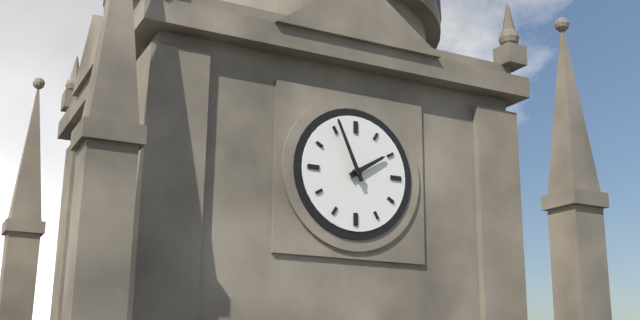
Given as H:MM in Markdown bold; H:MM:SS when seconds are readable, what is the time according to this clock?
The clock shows **1:56**
